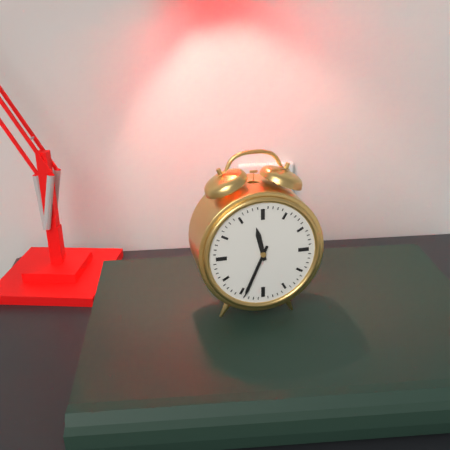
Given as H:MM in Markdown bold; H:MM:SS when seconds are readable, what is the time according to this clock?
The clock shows **11:34**
